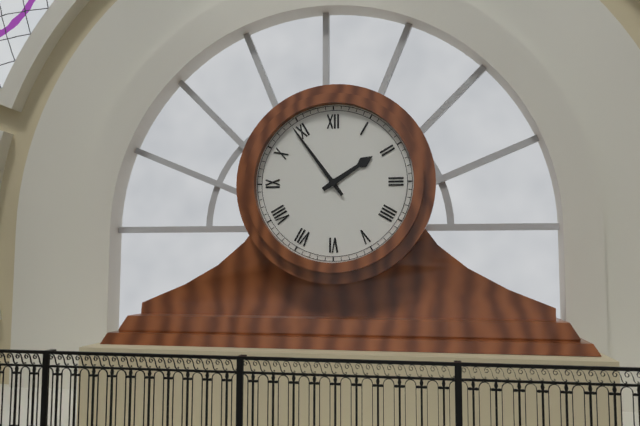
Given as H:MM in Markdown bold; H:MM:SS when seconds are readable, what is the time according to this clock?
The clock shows **1:54**
